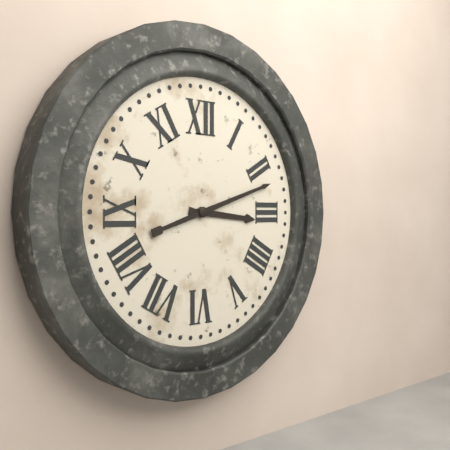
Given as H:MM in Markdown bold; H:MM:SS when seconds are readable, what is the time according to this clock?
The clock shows **3:12**
